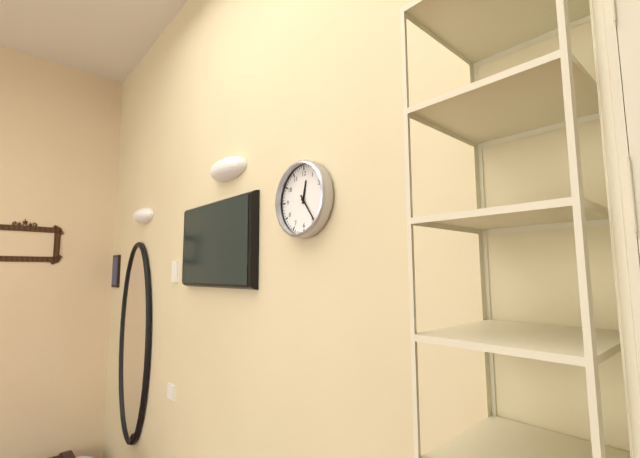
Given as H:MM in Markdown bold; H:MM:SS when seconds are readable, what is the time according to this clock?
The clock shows **12:24**
